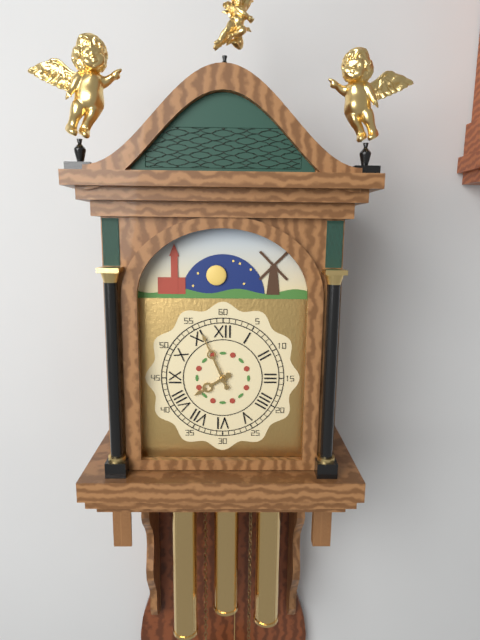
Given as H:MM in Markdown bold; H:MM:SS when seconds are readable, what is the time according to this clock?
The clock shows **7:56**
